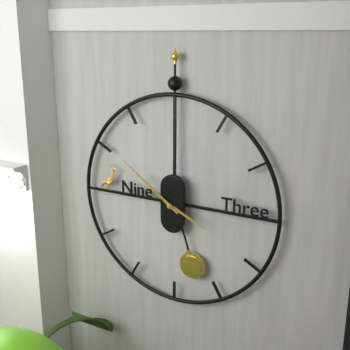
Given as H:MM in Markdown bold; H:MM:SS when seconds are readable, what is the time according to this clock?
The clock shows **3:51**
